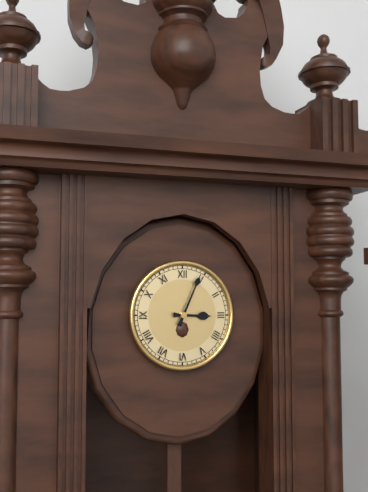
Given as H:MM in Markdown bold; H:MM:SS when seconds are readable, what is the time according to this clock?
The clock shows **3:04**
